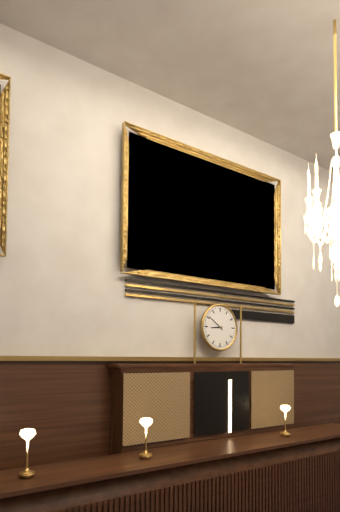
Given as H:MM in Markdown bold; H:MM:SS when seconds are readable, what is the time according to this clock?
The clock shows **8:51**
